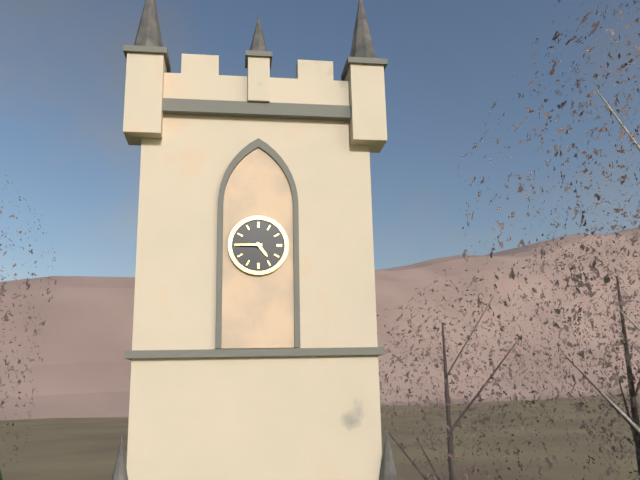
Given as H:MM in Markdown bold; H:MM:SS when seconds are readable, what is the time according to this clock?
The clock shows **4:45**
